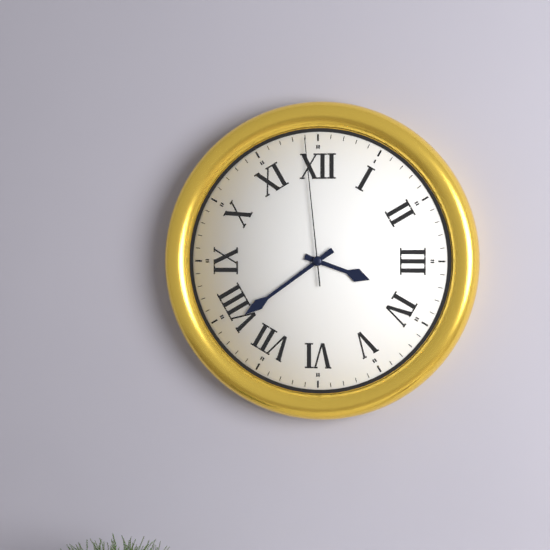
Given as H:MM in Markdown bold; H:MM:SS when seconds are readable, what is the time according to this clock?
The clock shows **3:39:59**
